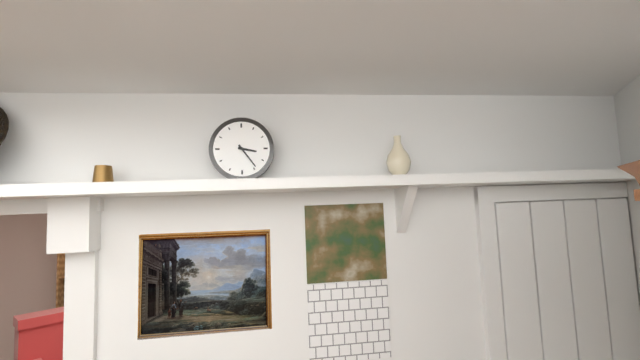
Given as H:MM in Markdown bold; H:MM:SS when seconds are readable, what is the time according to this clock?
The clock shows **3:24**
